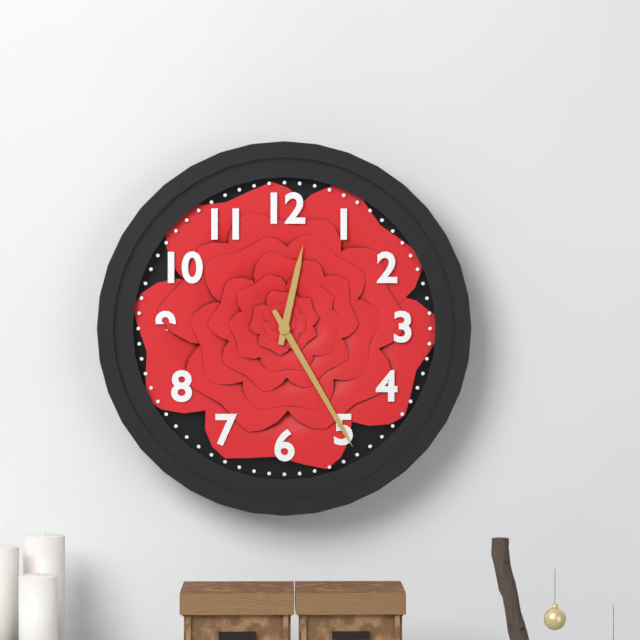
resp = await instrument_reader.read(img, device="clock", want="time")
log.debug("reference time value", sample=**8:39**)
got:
**12:25**
